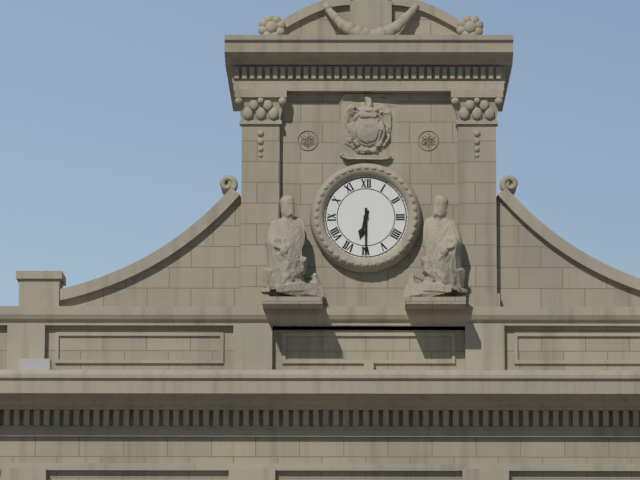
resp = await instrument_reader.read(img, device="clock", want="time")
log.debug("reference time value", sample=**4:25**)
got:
**6:30**
